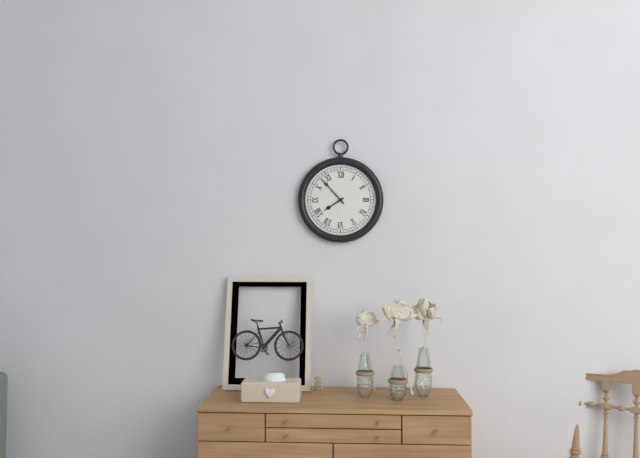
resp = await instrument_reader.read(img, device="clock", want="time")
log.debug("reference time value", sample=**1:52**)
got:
**7:53**
